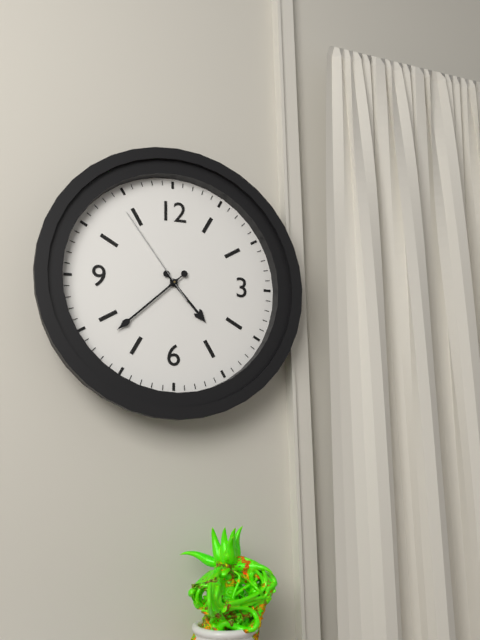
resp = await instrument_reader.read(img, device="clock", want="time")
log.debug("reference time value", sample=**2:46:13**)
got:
**4:38:54**
